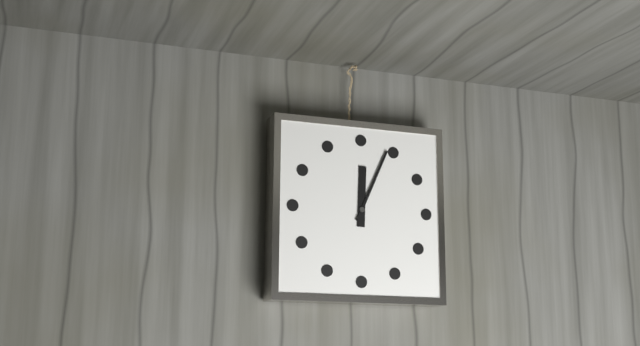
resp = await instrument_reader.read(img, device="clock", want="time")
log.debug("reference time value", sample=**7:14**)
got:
**12:04**
